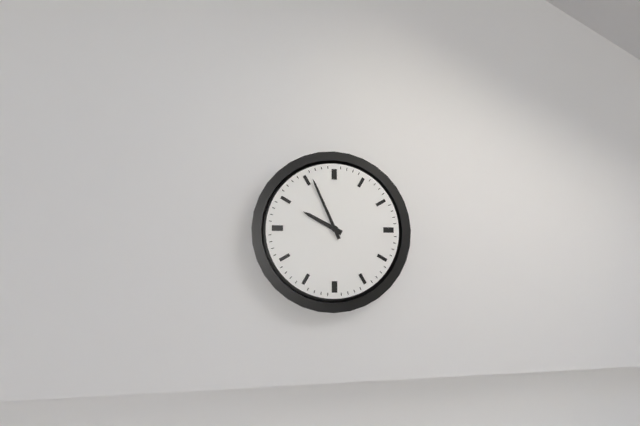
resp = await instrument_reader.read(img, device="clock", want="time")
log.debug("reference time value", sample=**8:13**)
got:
**9:56**
